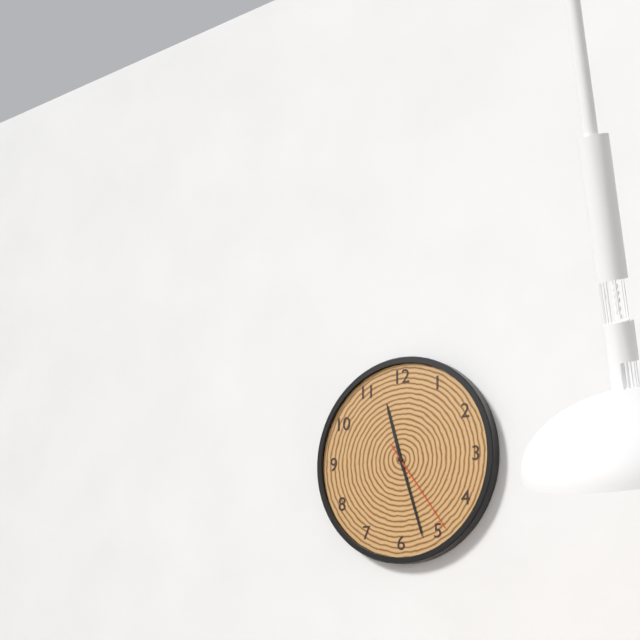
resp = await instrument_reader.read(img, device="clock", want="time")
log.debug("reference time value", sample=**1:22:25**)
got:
**11:27:24**
